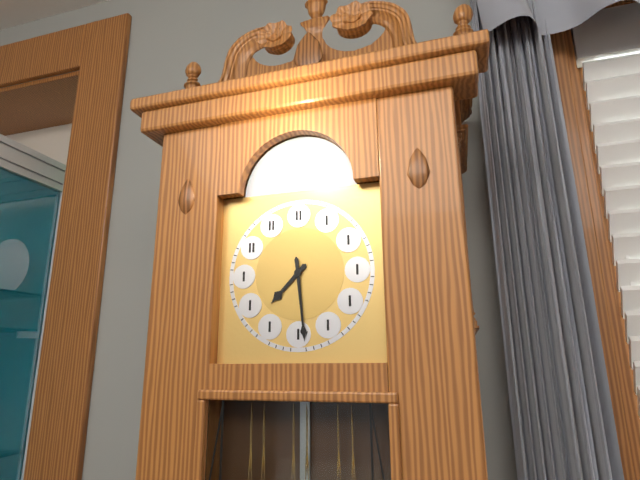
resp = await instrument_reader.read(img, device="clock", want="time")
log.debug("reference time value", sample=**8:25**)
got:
**7:29**
